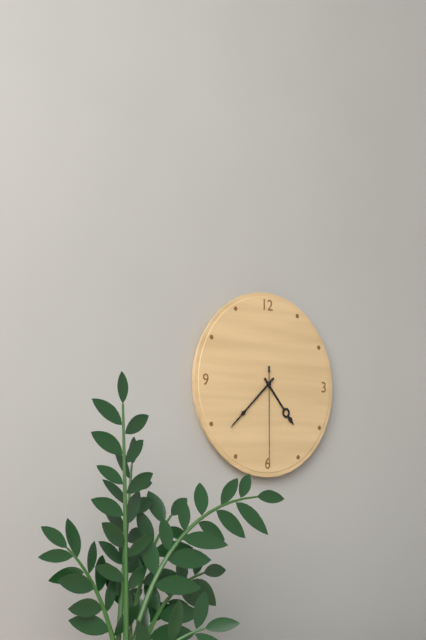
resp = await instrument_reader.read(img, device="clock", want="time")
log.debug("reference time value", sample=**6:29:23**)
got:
**4:38:30**
